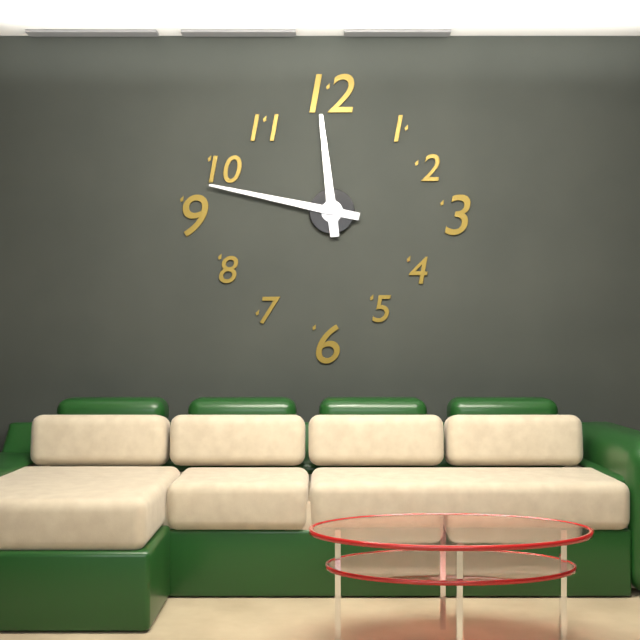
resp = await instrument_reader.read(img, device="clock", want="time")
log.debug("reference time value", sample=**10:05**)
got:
**11:47**
